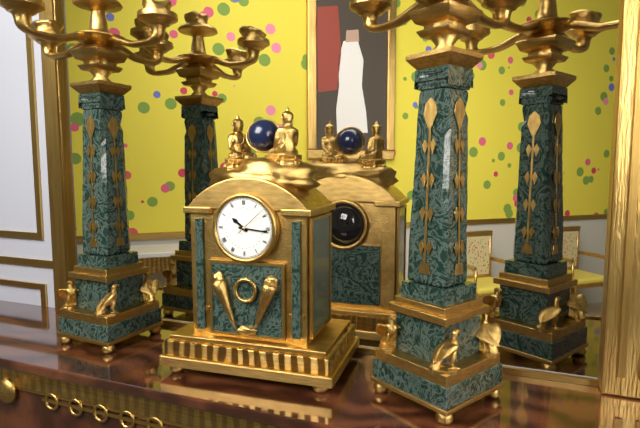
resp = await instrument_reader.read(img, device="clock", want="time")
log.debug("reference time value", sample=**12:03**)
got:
**10:16**
